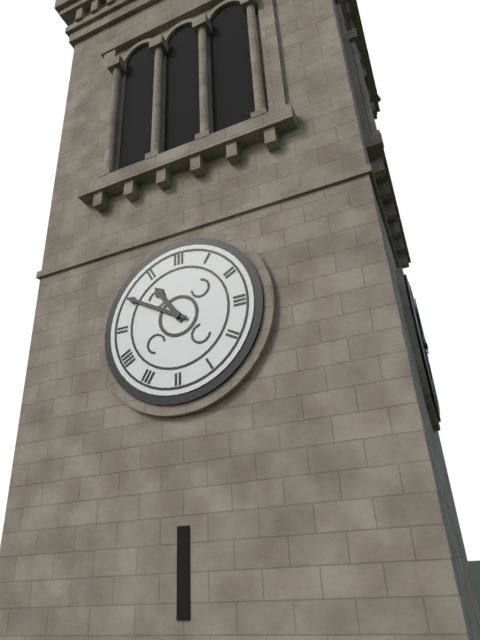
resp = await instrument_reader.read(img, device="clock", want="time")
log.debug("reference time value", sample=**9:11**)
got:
**10:50**
